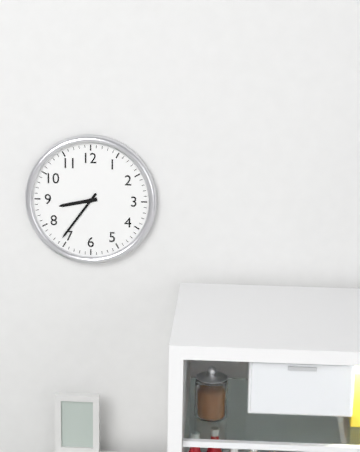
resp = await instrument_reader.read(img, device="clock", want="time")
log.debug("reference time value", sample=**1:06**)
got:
**8:36**
